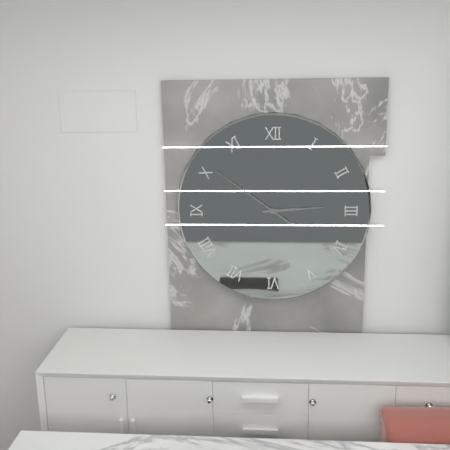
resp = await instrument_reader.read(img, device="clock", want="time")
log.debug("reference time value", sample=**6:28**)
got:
**2:51**
